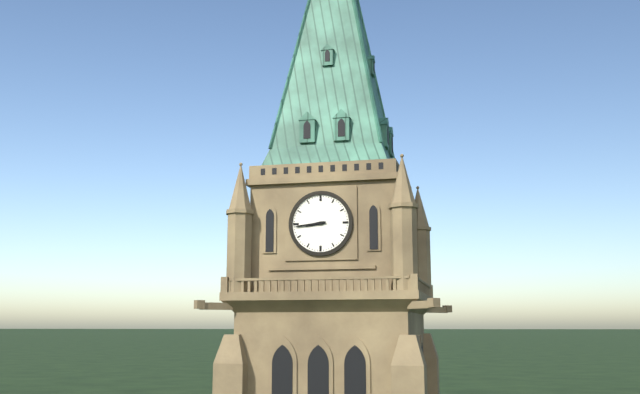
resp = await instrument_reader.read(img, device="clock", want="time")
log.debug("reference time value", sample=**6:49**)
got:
**8:44**
